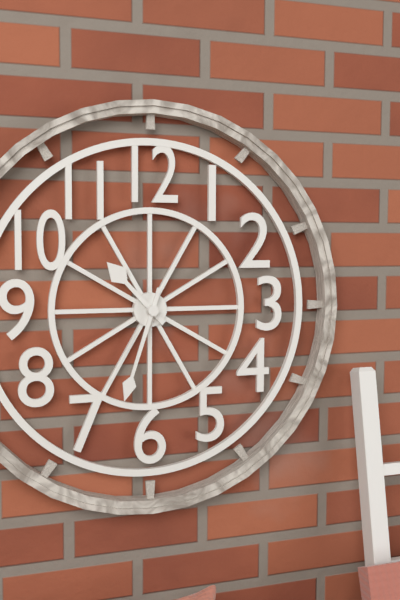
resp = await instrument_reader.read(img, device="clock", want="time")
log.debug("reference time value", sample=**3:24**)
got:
**10:33**
